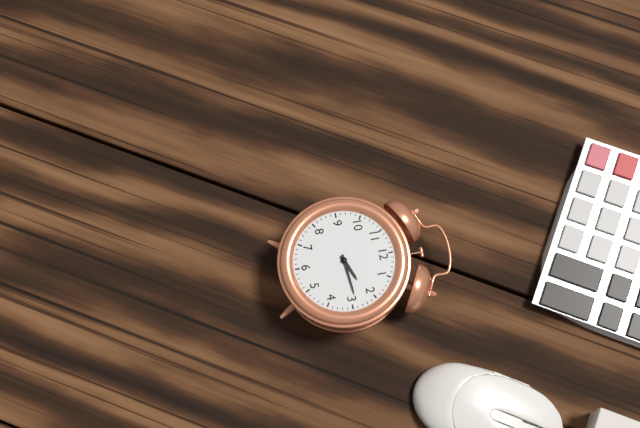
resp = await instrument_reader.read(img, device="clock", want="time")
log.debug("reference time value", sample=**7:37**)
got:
**2:14**
